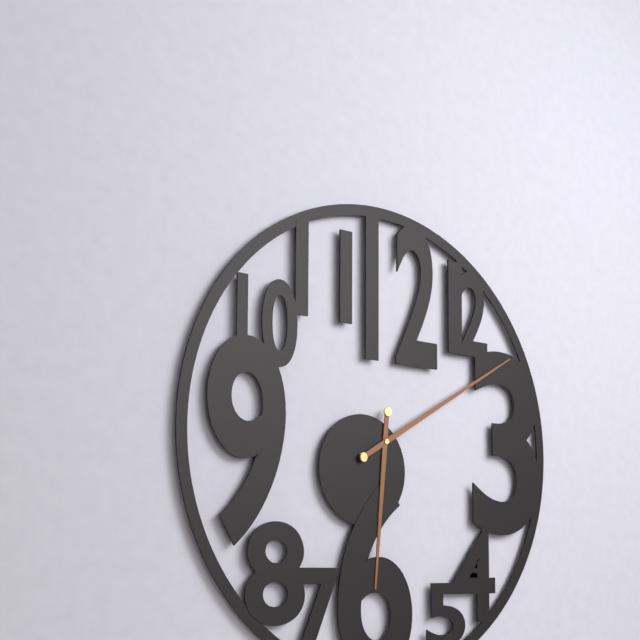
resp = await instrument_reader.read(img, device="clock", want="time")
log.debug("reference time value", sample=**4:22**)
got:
**6:10**
